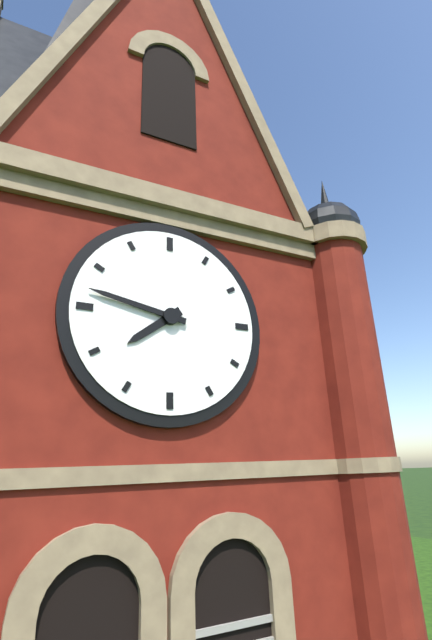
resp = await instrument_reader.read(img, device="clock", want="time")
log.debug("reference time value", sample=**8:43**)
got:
**7:47**
